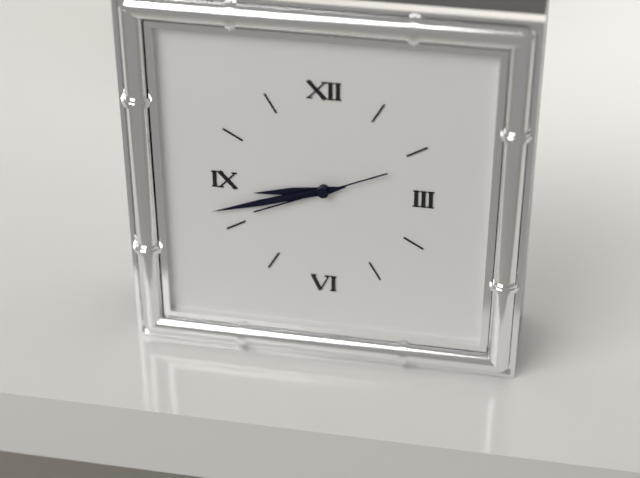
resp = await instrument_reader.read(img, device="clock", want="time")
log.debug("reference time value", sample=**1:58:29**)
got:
**8:42:41**
